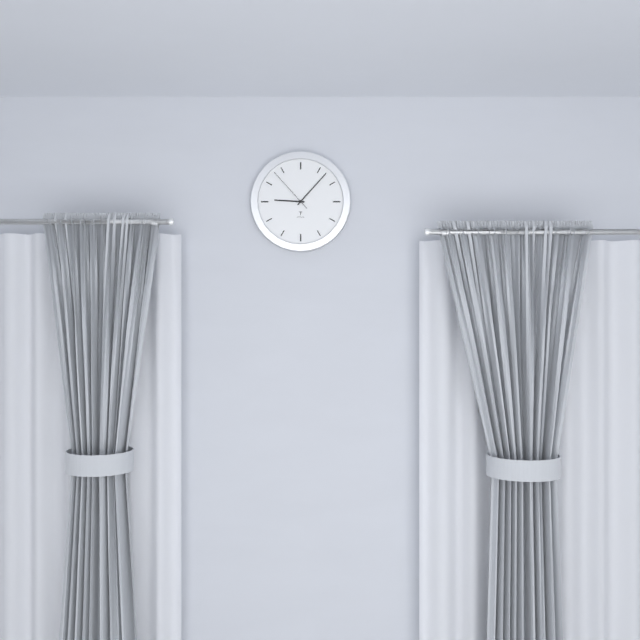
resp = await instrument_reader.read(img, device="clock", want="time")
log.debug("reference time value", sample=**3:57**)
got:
**9:07**
